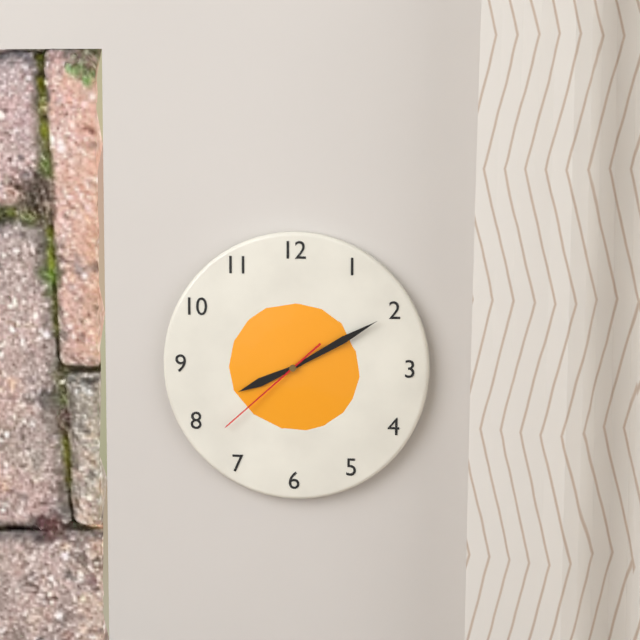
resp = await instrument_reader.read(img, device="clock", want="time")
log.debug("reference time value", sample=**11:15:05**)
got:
**8:10:38**
